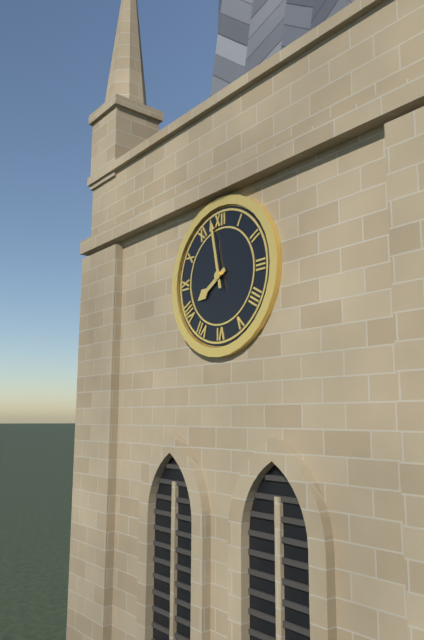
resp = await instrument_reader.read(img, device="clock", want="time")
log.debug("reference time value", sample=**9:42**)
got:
**7:58**
